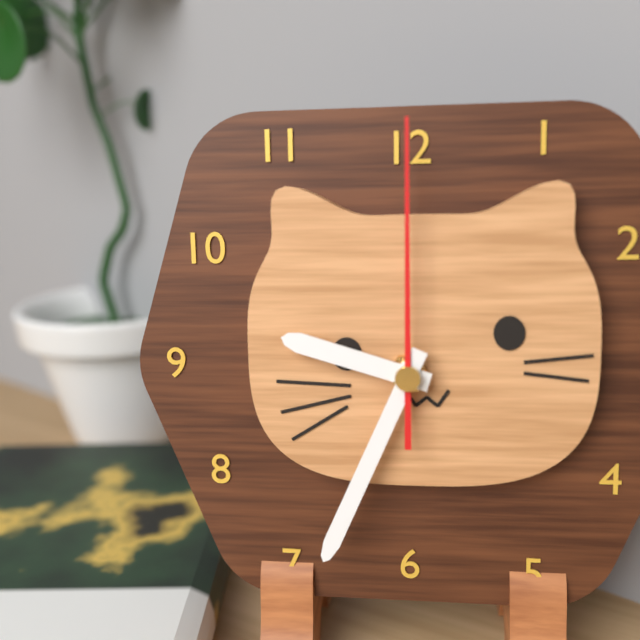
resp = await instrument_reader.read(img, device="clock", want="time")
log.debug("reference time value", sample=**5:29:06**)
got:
**9:34:00**
